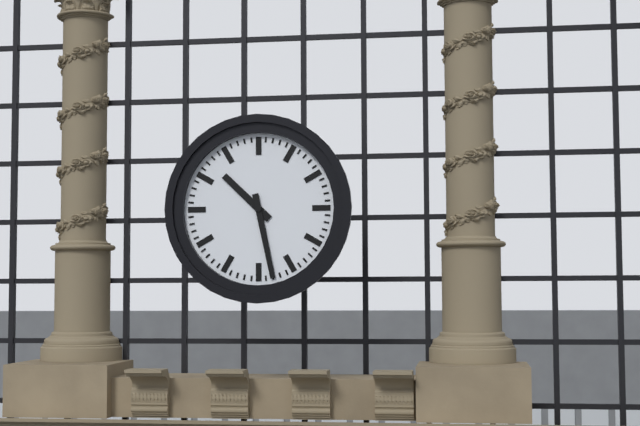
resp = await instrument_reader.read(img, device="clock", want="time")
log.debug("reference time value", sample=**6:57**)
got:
**10:28**
